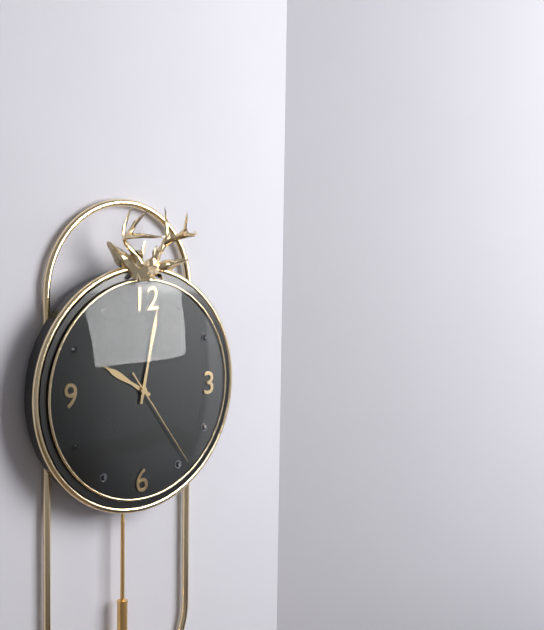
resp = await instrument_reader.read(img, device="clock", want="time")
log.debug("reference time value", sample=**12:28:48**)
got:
**10:02:24**
